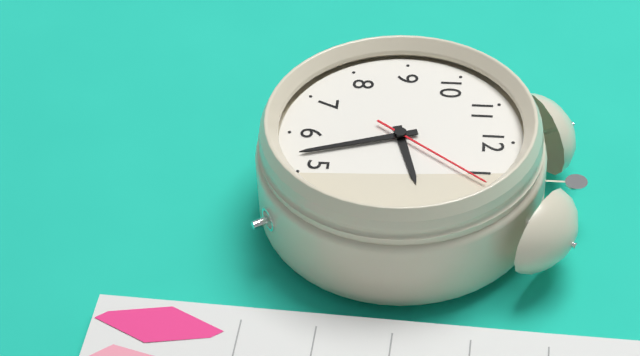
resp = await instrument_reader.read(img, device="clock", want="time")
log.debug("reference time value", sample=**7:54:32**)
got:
**2:27:06**
